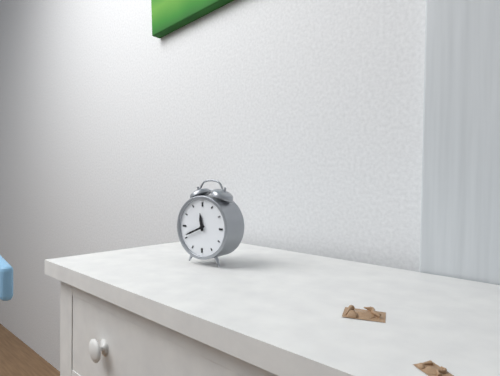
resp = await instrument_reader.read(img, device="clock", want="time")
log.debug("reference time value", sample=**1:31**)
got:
**11:41**
